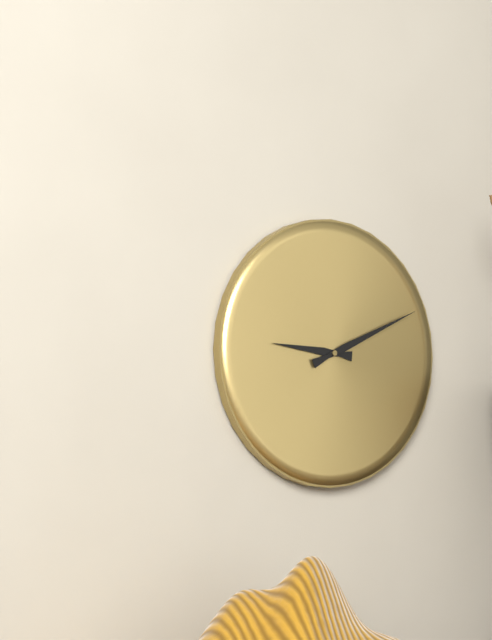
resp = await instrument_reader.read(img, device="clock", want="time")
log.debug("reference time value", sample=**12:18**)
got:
**9:11**
